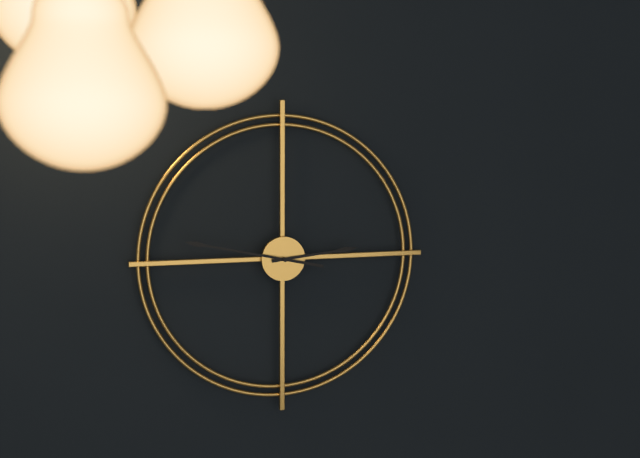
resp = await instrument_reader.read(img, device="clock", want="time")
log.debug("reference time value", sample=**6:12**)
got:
**2:47**
